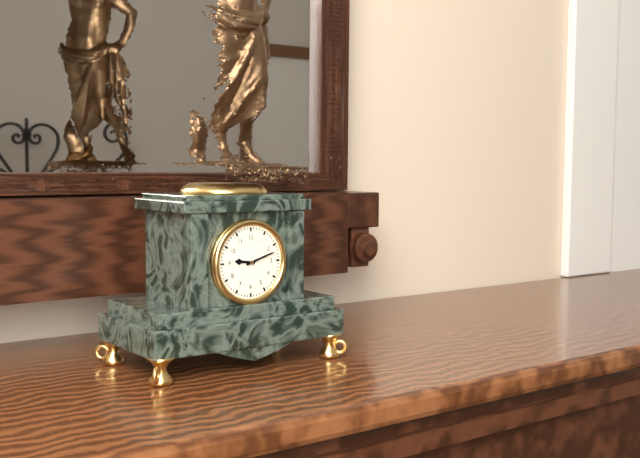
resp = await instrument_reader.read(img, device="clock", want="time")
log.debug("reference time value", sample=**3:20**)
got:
**9:12**
